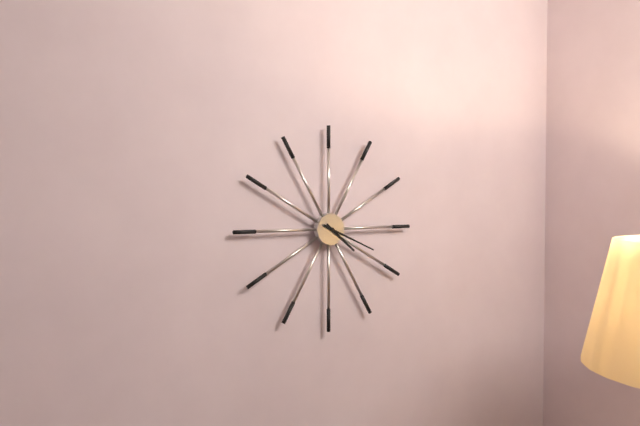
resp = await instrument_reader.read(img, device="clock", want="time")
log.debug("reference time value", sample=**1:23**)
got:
**4:19**
